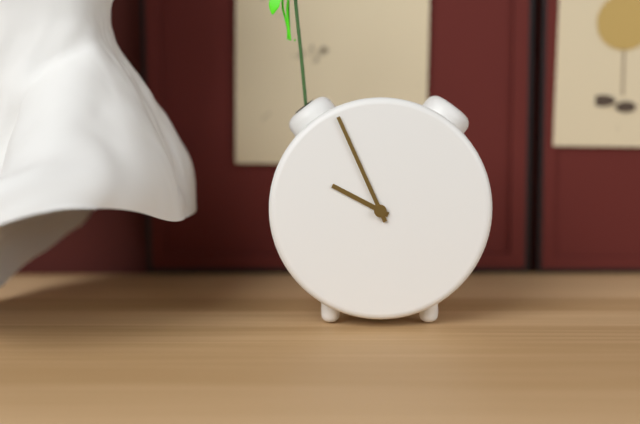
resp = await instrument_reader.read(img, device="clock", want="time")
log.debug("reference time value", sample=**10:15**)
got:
**9:56**
